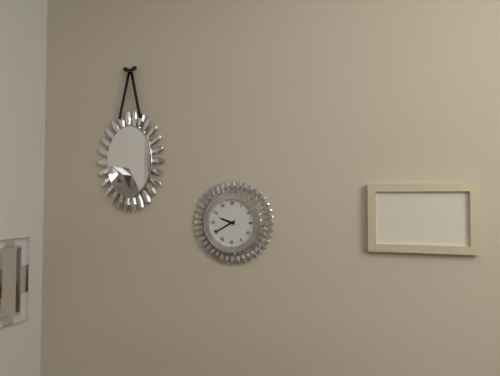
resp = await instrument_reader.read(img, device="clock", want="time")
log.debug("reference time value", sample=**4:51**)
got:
**9:40**
